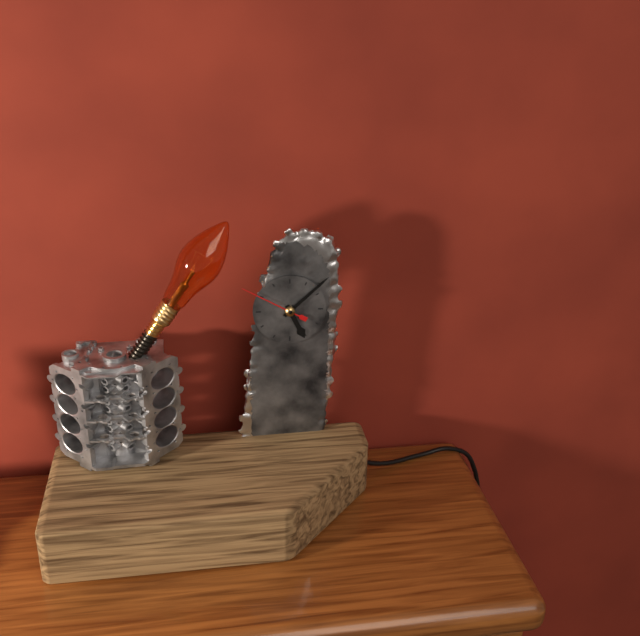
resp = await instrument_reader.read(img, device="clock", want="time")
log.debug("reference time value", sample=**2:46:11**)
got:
**5:08:50**
